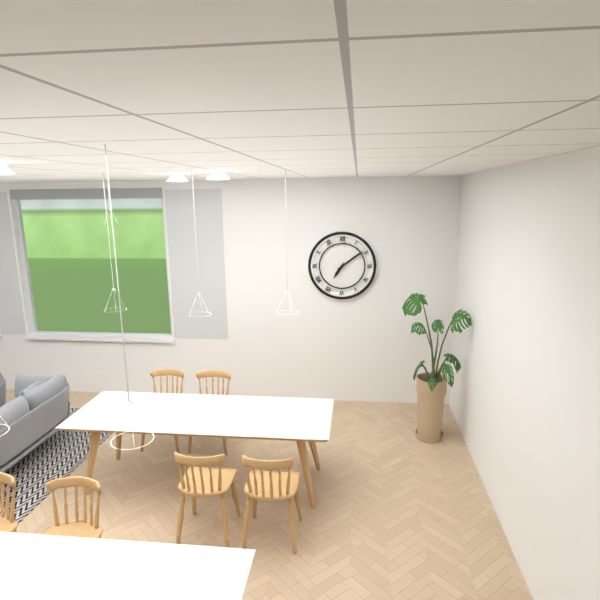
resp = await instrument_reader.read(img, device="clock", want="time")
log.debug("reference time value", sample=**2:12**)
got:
**7:09**
